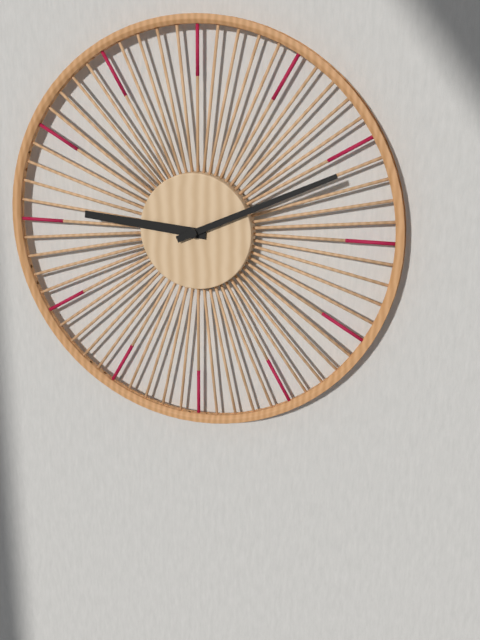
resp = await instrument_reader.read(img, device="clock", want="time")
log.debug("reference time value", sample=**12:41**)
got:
**9:11**
